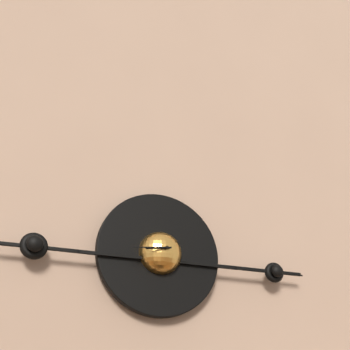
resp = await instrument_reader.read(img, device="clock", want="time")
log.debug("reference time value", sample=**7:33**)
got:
**8:44**
